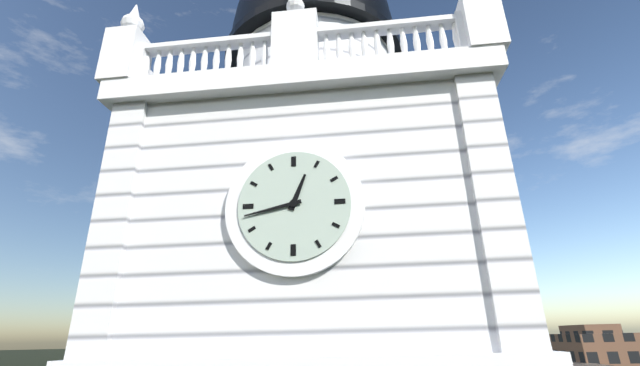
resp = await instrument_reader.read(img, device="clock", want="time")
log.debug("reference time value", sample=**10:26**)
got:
**12:43**
